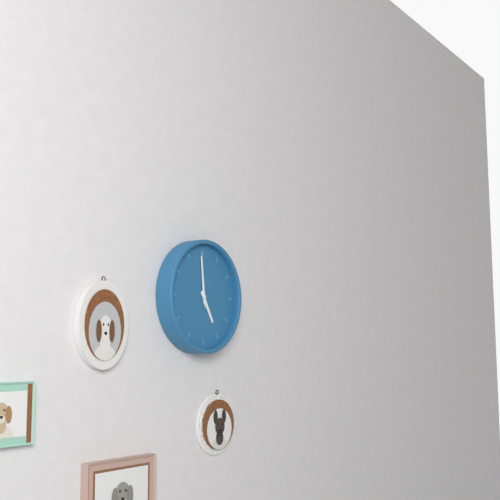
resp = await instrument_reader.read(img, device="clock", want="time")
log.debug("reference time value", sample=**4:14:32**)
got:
**4:59:59**
